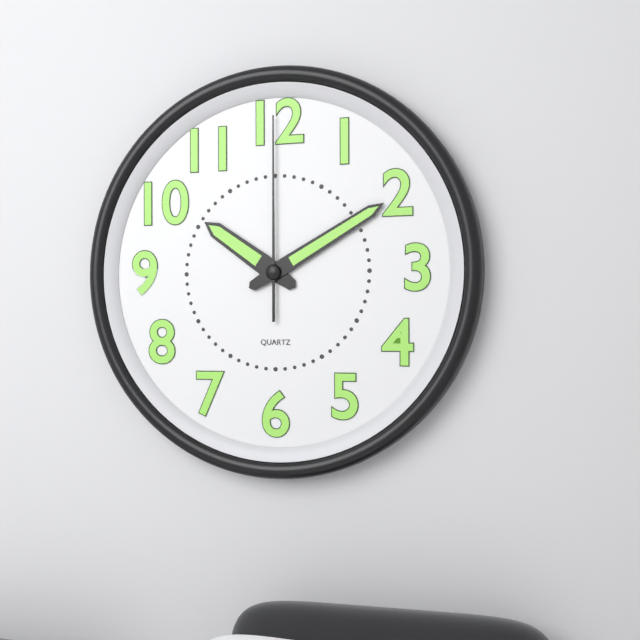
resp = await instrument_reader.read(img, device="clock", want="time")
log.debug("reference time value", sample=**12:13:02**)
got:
**10:10:00**
